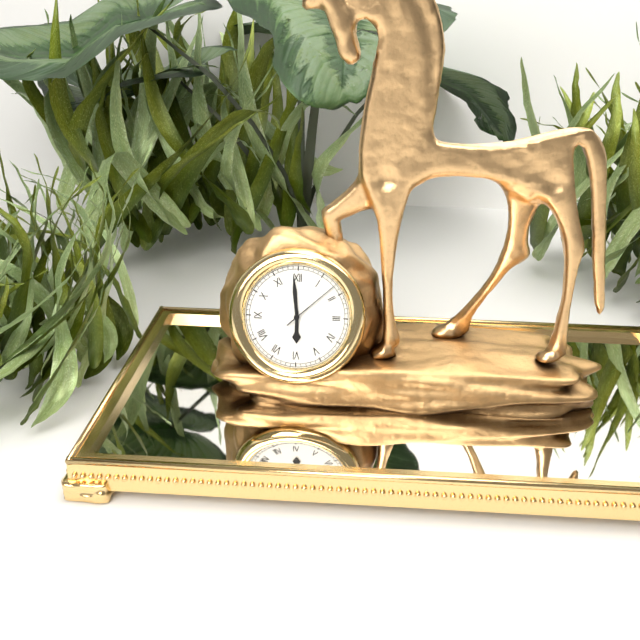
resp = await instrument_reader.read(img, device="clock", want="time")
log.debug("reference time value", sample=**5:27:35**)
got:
**5:59:08**
